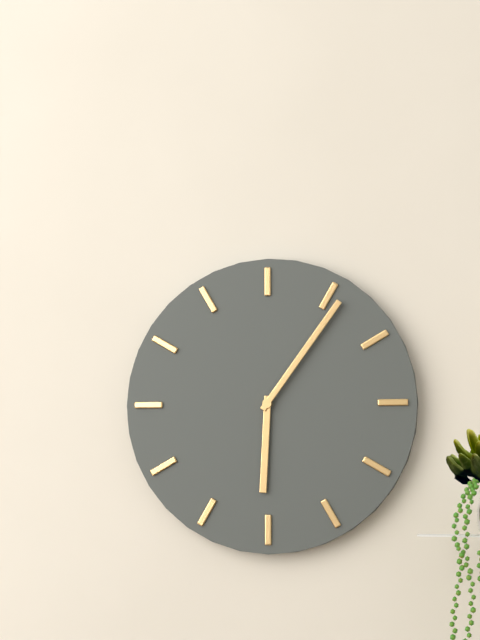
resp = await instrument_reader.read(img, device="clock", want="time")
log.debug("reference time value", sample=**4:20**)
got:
**6:06**
